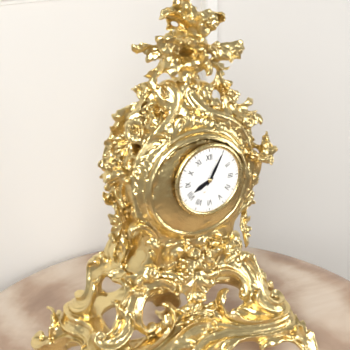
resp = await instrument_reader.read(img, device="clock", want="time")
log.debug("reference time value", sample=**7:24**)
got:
**8:05**
